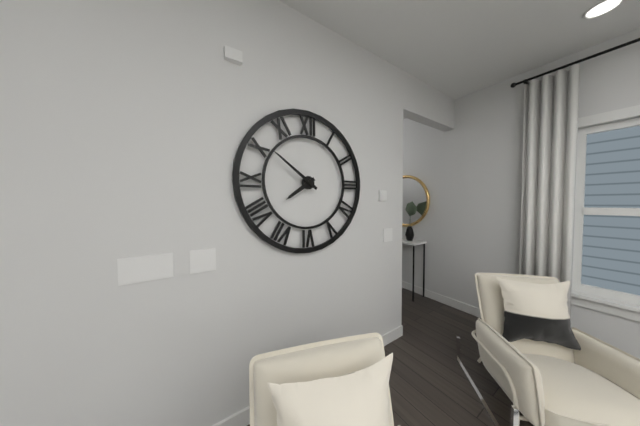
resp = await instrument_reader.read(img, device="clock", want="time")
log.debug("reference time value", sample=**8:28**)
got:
**7:51**
